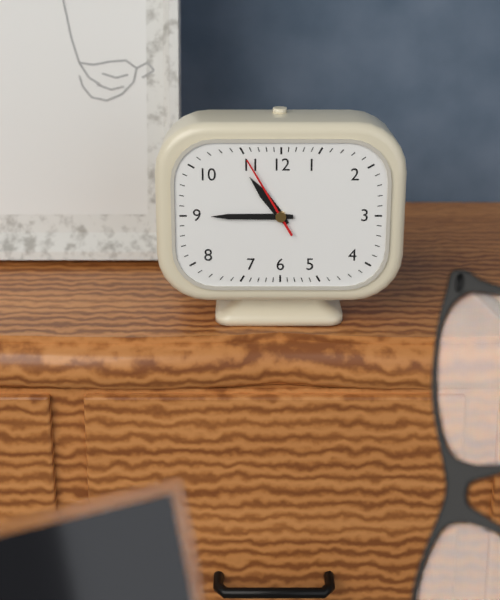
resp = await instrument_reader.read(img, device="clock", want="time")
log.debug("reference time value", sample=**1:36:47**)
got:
**10:45:55**
